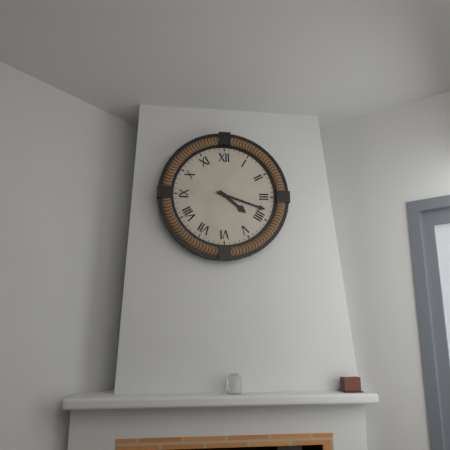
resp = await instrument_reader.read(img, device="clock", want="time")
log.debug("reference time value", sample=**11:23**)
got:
**4:18**
